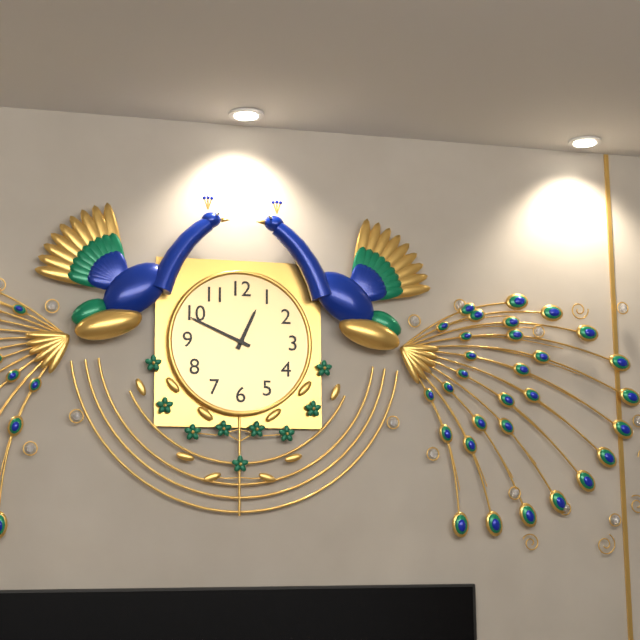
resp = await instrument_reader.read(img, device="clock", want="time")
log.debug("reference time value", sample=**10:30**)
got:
**12:49**
